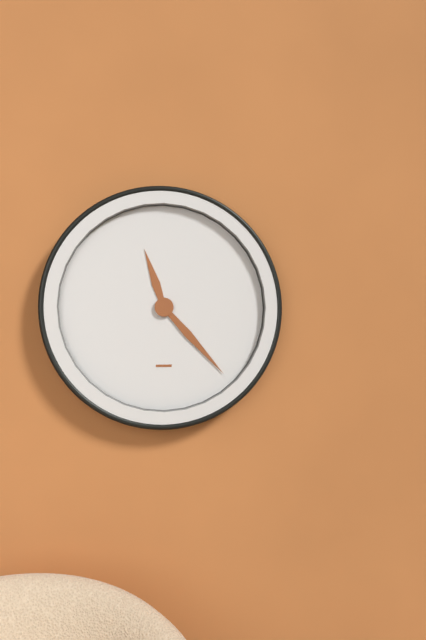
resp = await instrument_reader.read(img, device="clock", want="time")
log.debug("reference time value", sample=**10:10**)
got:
**11:23**
